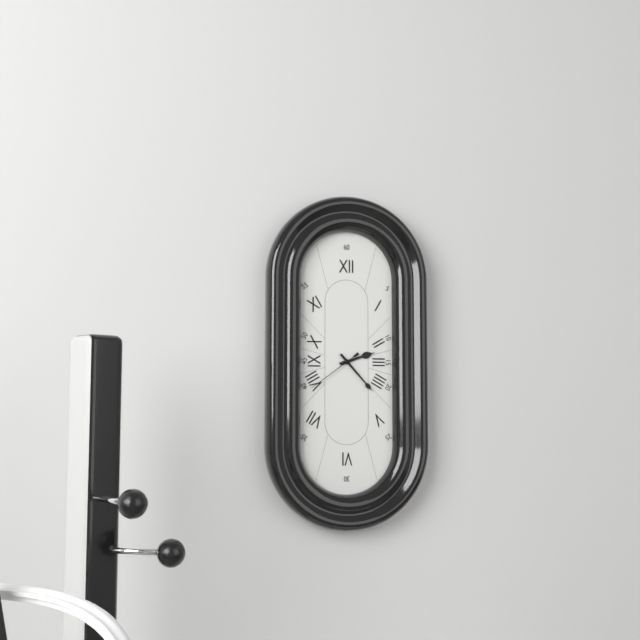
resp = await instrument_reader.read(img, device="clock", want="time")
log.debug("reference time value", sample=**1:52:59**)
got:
**2:23:39**
